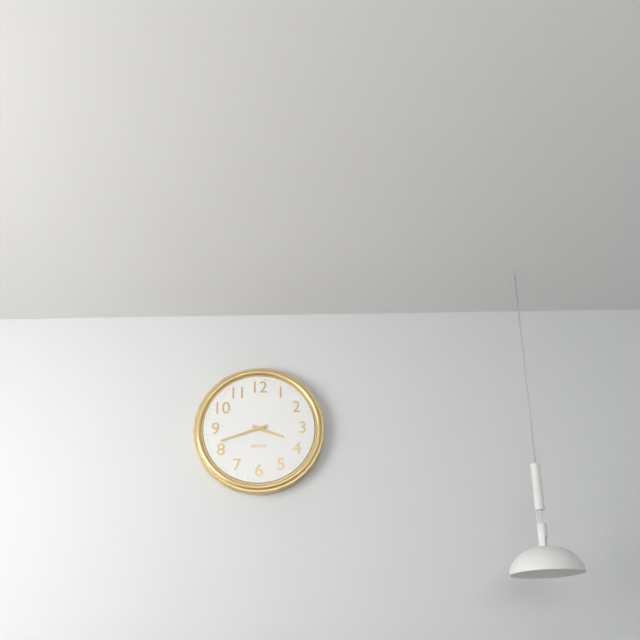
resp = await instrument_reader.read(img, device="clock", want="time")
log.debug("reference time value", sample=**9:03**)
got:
**3:42**
